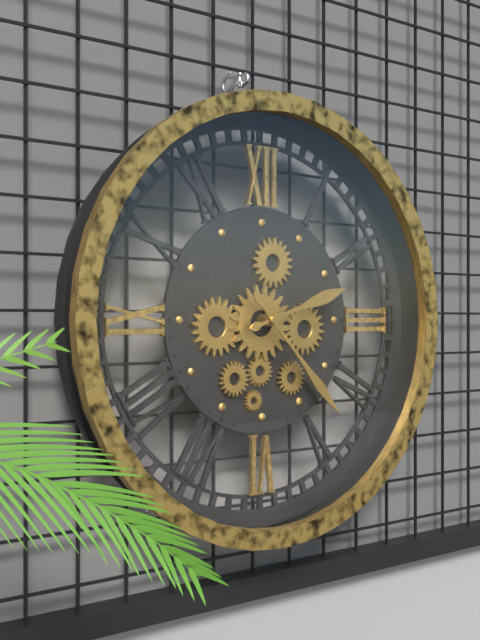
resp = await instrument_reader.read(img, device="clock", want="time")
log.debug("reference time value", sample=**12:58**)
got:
**2:23**
